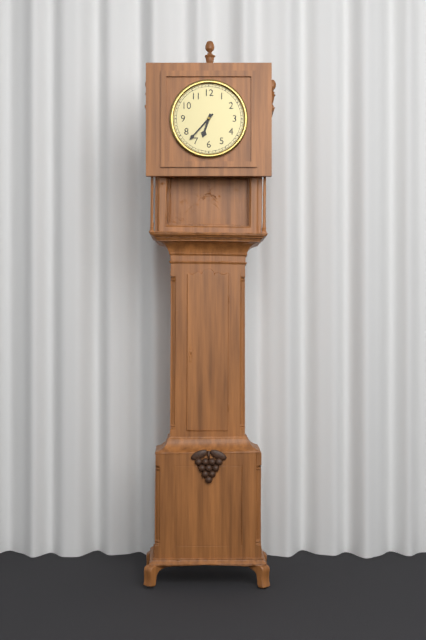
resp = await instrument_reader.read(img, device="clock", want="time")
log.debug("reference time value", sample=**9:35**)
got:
**6:37**
